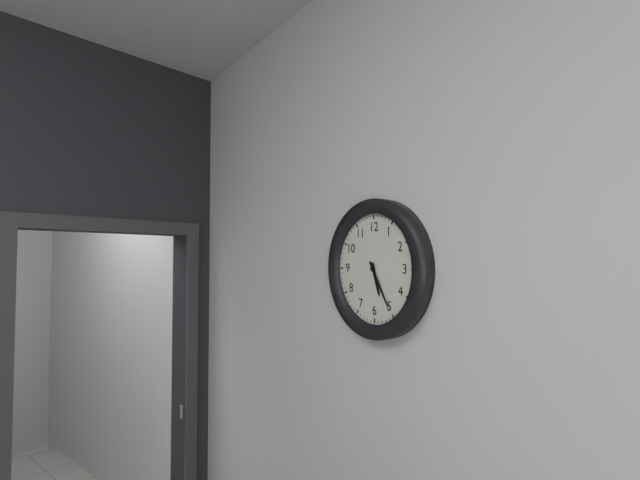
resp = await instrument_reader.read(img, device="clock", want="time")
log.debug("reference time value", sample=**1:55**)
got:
**5:25**
